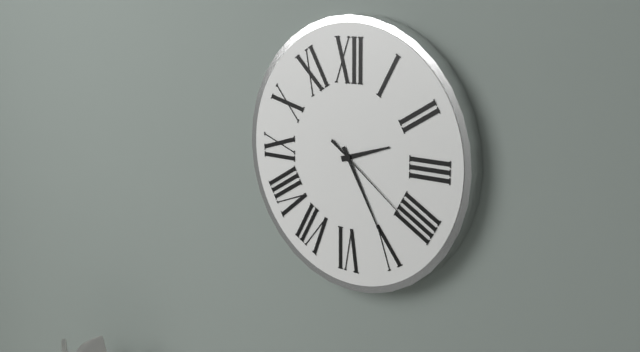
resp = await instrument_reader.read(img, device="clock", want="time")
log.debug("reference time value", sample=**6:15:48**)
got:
**2:25:21**
